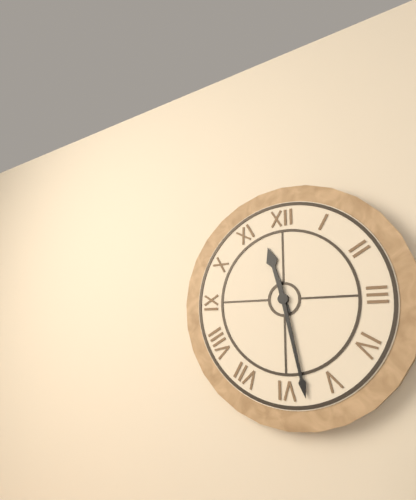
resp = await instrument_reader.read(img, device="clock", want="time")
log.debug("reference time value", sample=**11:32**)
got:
**11:28**
